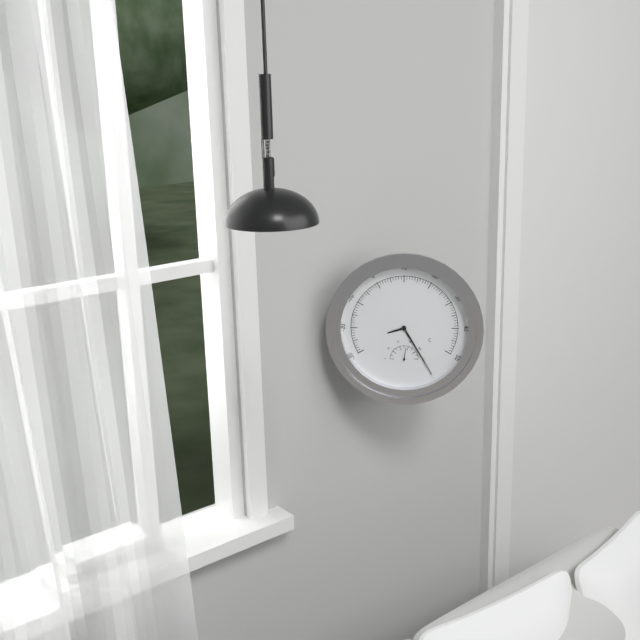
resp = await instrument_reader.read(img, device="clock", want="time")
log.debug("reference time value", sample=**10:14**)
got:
**8:25**
